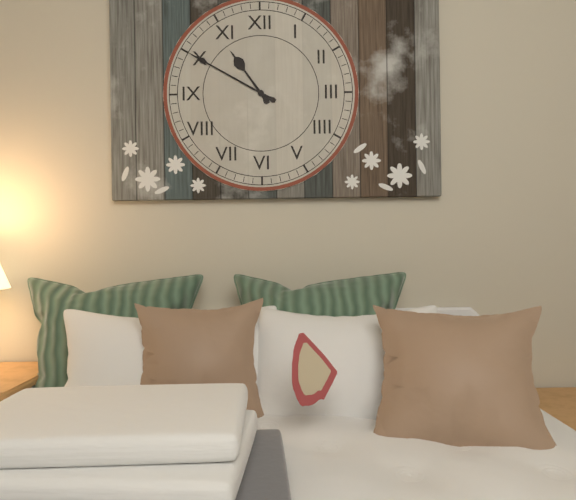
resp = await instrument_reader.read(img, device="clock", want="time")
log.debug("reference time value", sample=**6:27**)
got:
**10:50**
